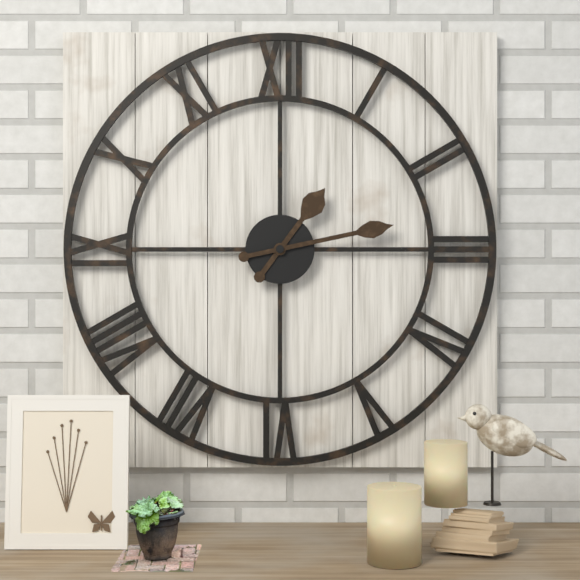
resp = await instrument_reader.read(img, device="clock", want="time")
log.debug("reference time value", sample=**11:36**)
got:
**1:13**
